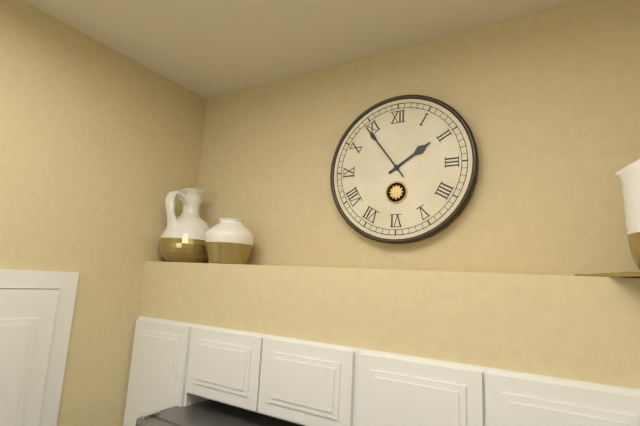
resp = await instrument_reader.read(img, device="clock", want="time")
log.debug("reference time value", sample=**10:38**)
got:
**1:54**
